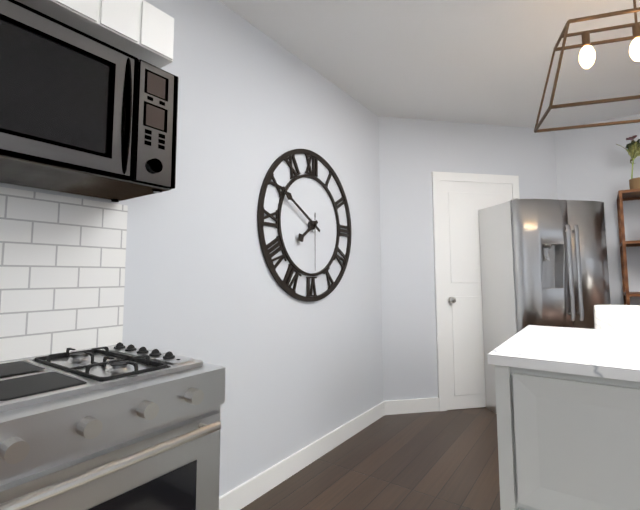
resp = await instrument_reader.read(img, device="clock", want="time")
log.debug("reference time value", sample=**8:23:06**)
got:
**7:50:30**
